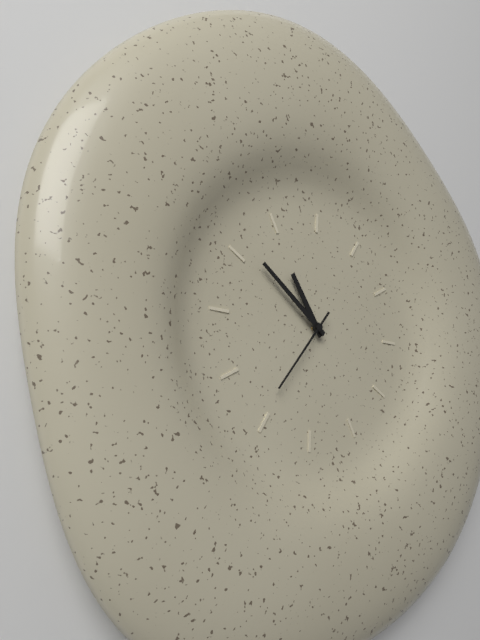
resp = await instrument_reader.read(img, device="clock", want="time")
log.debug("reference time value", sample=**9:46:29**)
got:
**10:51:36**
